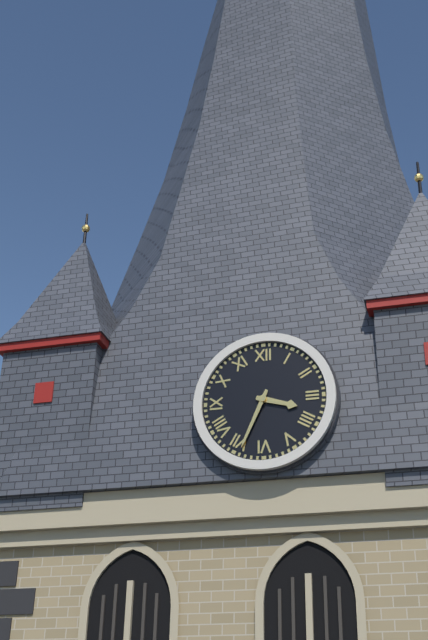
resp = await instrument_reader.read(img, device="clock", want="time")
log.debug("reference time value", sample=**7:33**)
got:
**3:34**
